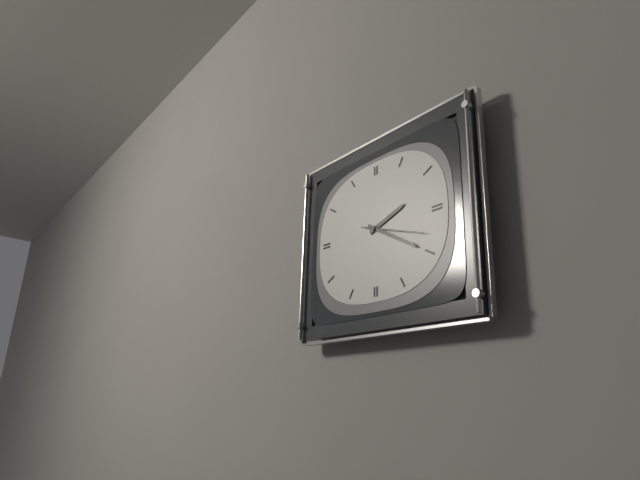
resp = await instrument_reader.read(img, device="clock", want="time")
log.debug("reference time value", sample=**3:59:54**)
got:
**2:20:18**
